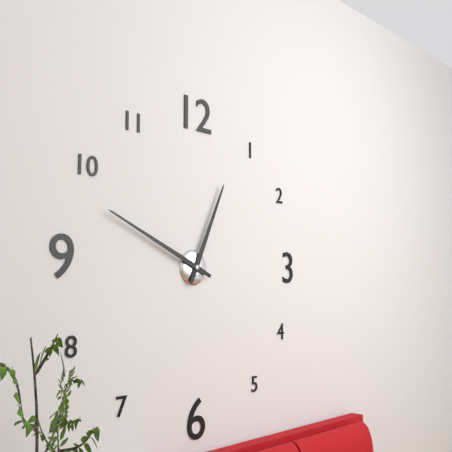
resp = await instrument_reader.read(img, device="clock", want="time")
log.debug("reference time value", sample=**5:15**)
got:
**12:49**
